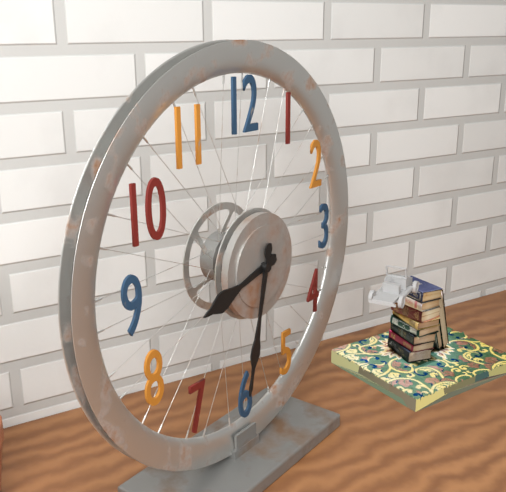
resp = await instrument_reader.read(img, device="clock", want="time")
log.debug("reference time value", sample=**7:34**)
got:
**8:32**
